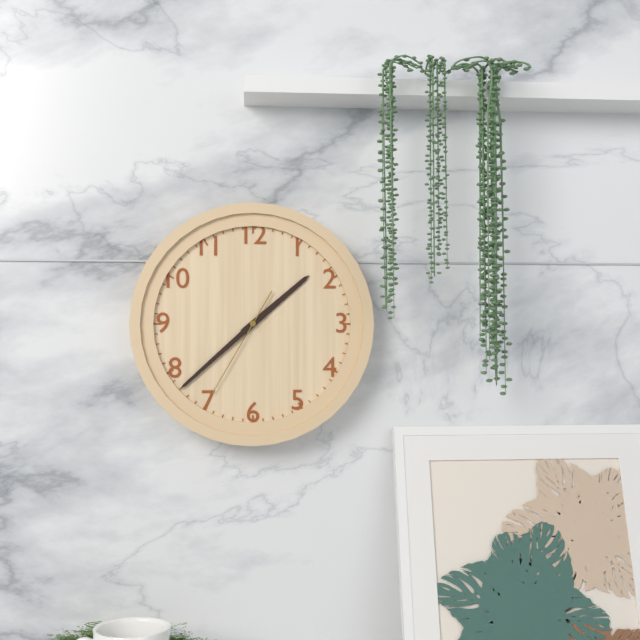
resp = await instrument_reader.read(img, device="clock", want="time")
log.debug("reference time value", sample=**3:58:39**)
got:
**1:38:35**
